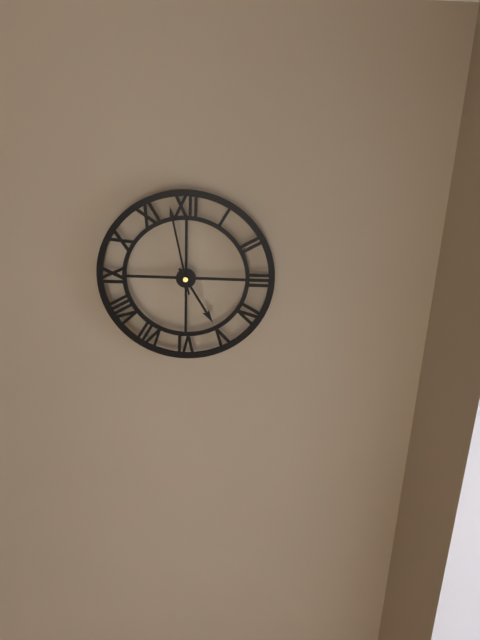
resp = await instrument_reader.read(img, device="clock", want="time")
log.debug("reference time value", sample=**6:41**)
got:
**4:58**
